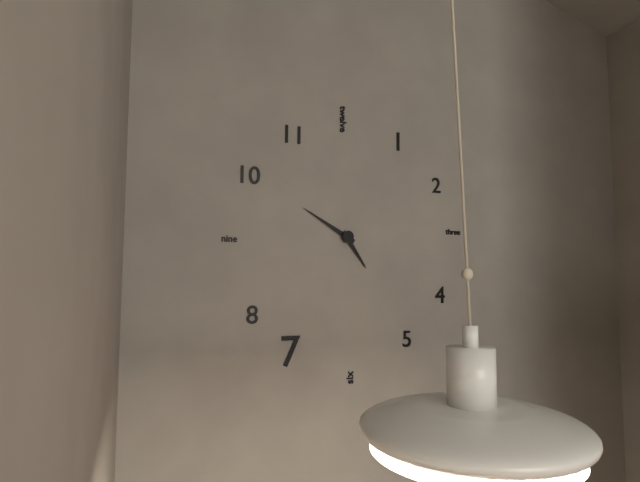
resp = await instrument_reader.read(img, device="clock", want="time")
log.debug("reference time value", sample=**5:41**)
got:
**4:50**
